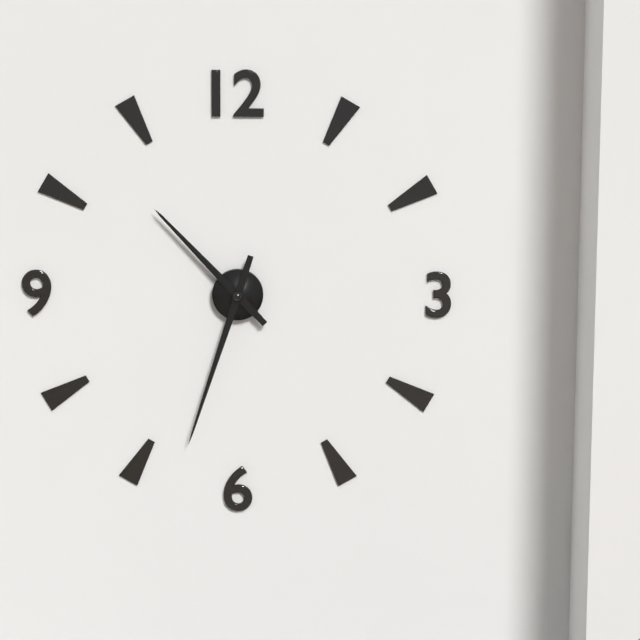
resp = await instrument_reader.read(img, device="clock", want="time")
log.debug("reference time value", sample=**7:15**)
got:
**10:33**
